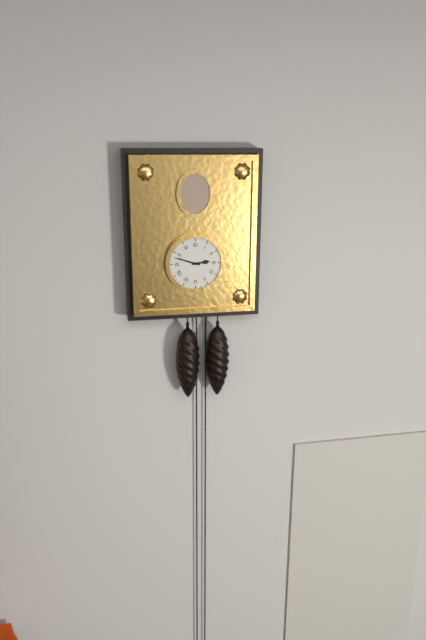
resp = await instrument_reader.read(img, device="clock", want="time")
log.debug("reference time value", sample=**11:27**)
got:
**2:48**
